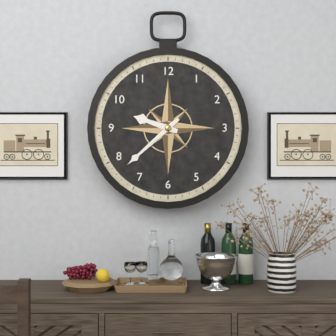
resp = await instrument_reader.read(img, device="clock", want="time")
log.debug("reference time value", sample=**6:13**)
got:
**9:38**
